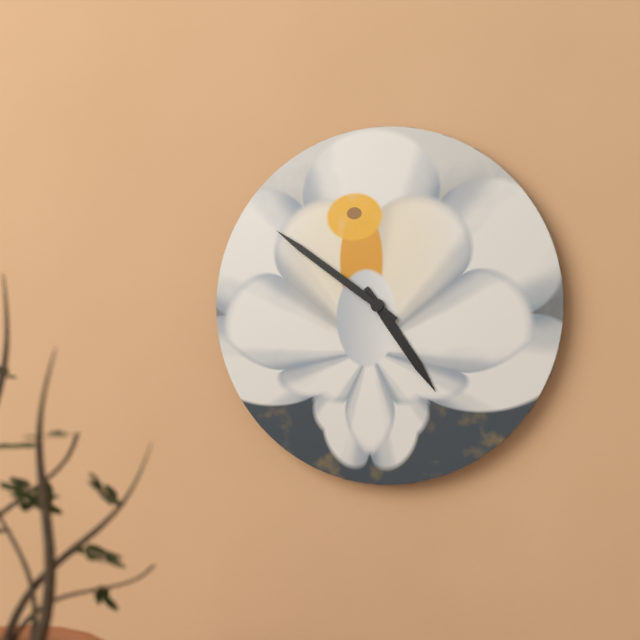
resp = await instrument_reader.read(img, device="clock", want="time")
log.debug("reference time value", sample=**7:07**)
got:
**4:51**
